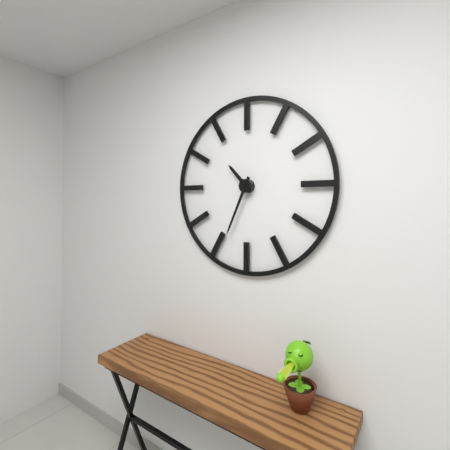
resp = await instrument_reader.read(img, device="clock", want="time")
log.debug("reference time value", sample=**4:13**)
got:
**10:34**
